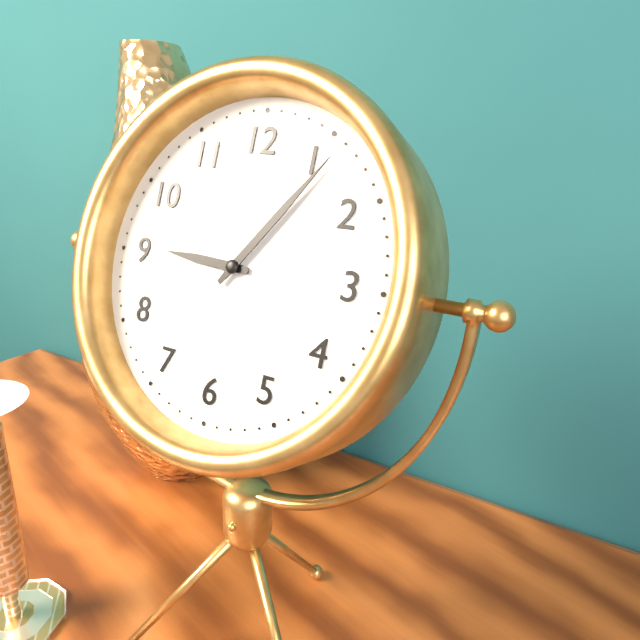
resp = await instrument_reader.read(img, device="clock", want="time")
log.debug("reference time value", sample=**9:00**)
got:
**9:06**
